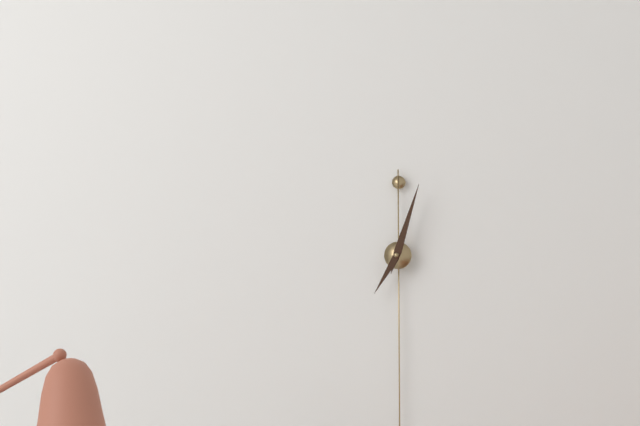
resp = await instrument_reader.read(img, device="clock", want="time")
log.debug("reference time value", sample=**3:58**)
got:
**7:03**
